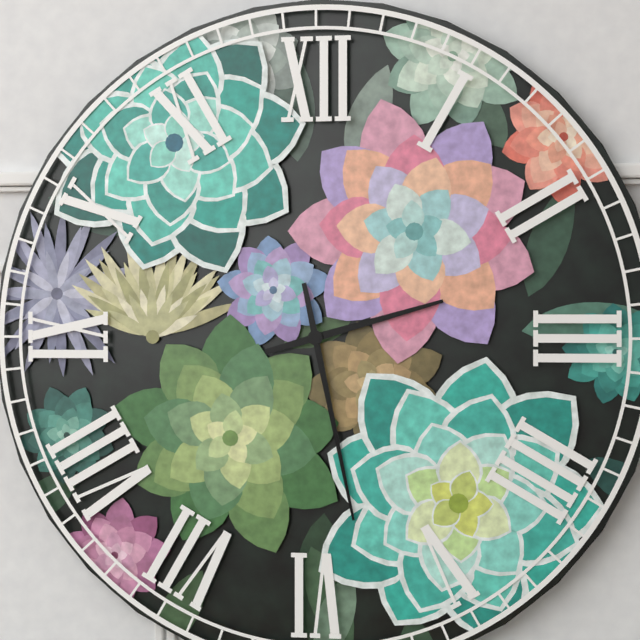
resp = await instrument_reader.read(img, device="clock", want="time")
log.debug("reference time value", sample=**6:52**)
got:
**2:28**
